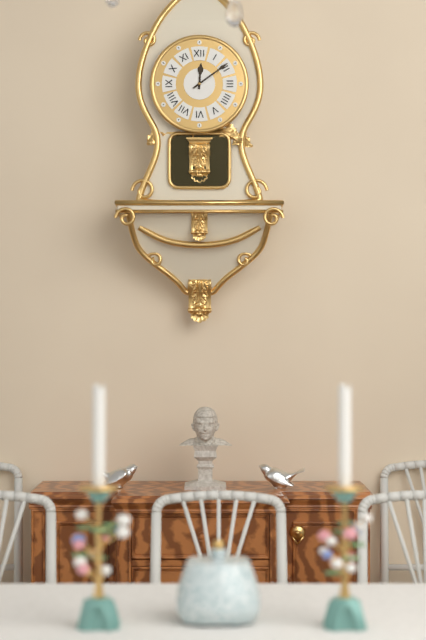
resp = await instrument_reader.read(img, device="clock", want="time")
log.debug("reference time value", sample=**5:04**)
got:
**12:09**
